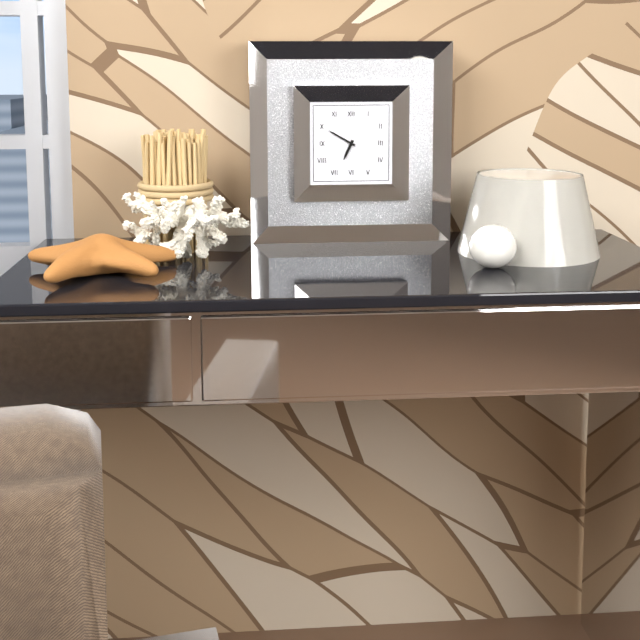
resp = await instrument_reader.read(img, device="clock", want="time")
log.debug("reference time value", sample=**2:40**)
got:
**6:50**
